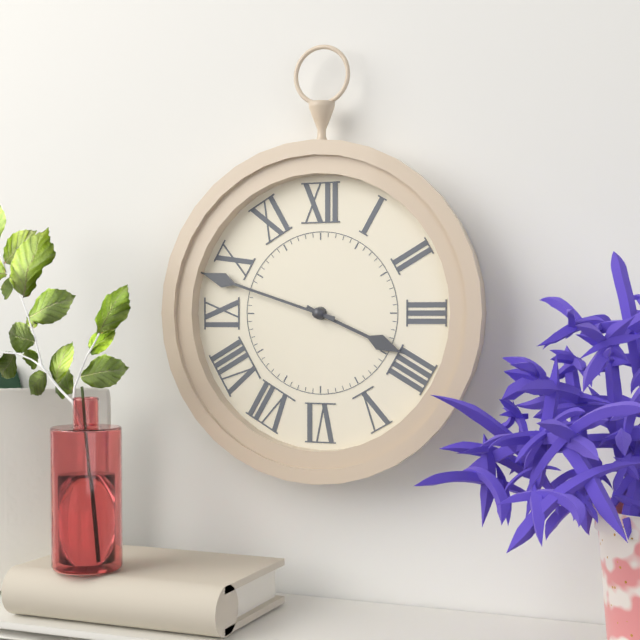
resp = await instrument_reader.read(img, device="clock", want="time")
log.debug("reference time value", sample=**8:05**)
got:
**3:48**
